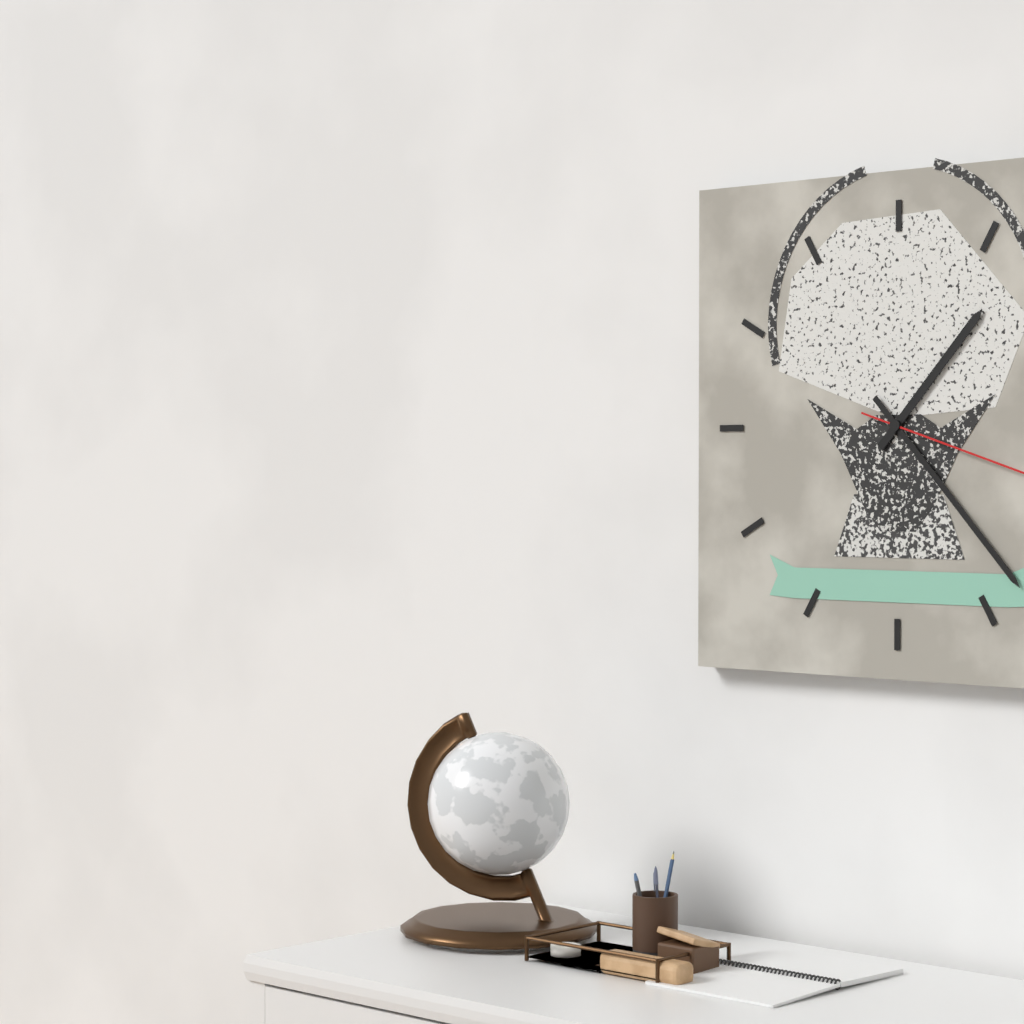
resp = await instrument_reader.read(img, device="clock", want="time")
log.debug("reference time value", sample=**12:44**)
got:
**1:23**
